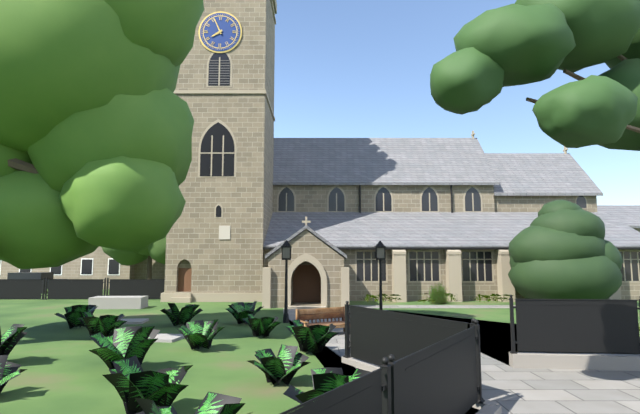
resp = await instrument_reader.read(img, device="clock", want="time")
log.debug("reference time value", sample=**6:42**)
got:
**7:56**
